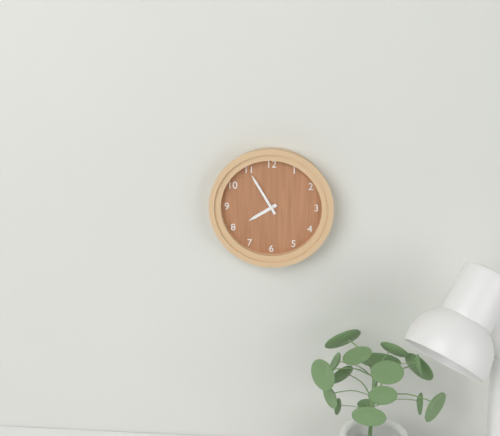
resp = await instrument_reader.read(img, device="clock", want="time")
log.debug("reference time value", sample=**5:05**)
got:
**7:55**
